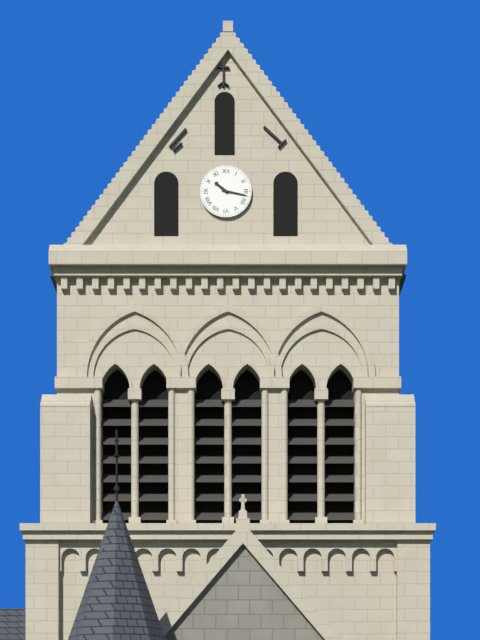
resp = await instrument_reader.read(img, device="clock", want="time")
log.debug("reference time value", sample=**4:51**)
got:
**10:17**
